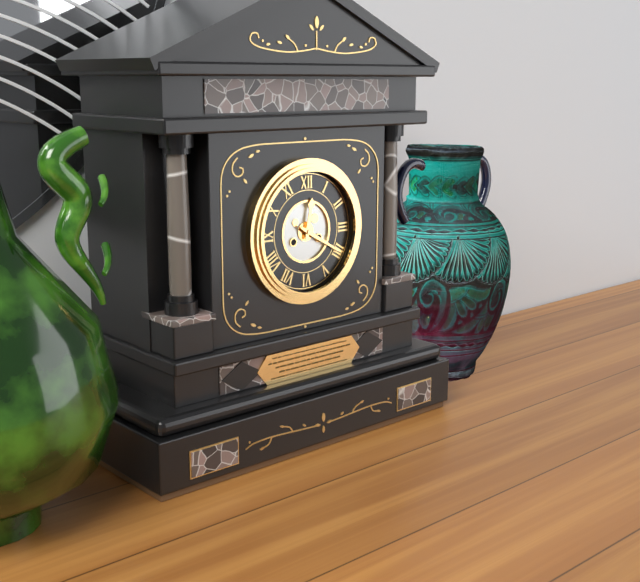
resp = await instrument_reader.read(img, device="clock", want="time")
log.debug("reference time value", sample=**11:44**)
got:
**12:20**
